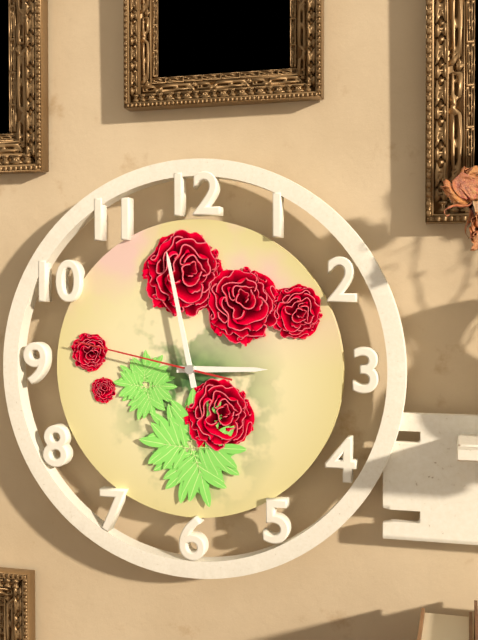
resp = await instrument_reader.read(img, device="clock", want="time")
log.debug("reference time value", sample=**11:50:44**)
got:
**2:58:47**
